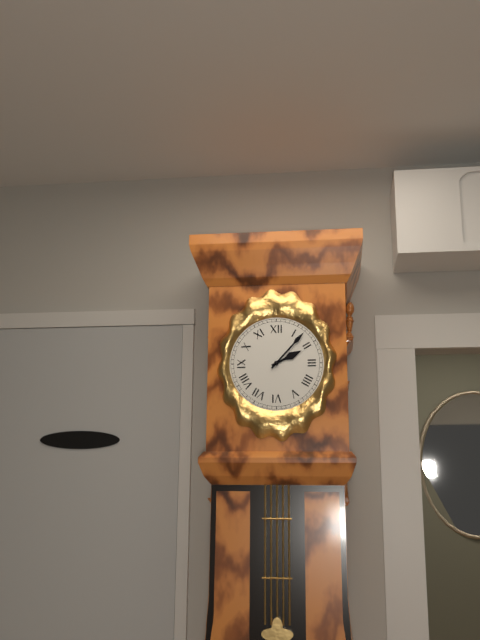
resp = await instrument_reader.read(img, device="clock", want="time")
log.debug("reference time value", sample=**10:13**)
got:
**2:07**
